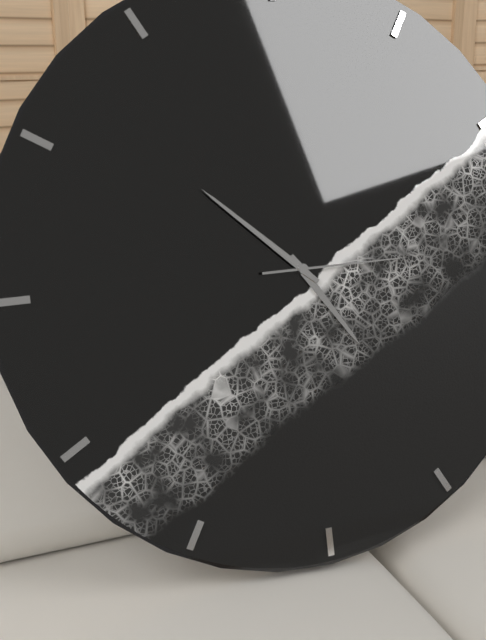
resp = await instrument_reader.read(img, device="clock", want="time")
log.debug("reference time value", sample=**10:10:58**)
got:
**4:52:15**
